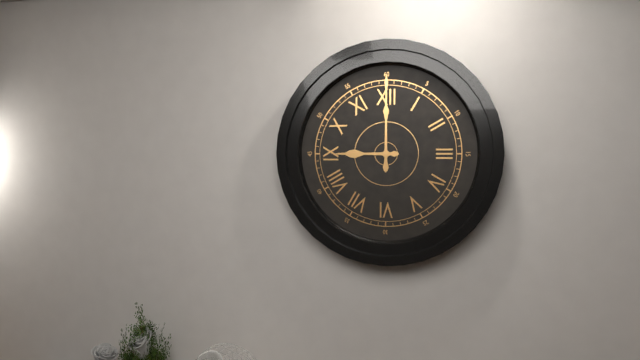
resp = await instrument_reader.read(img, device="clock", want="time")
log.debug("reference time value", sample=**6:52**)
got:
**9:00**
